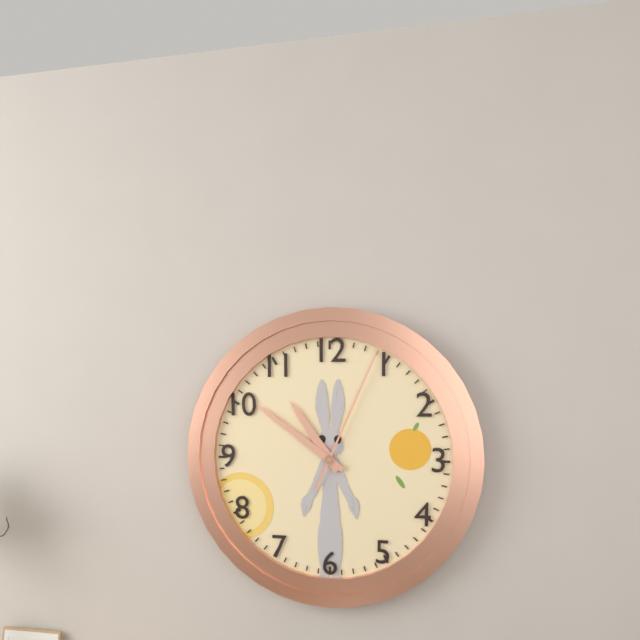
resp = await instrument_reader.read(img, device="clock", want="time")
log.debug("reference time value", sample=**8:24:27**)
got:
**10:51:04**
